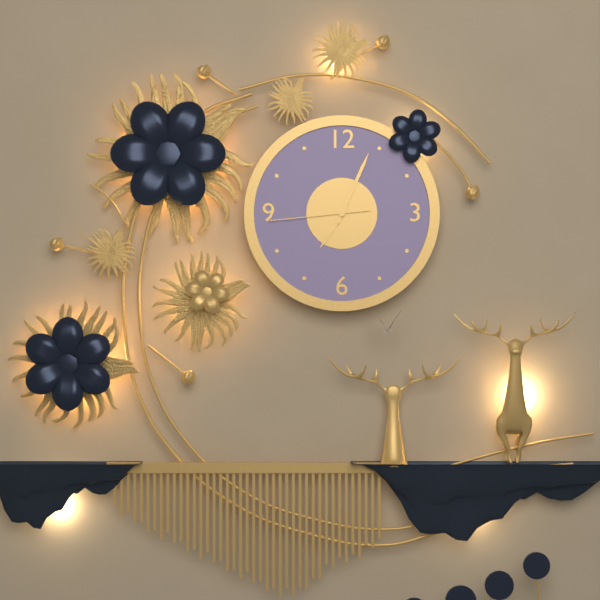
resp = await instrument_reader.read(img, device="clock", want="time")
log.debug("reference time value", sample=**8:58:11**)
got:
**7:04:44**
